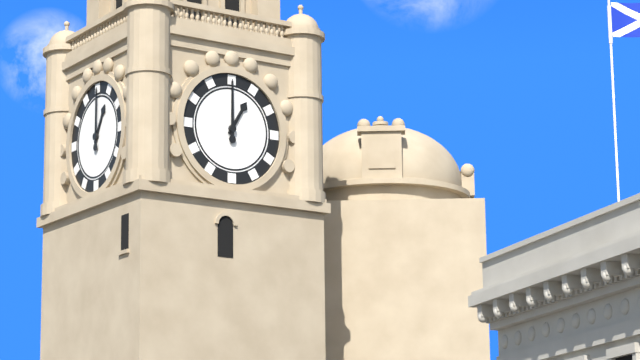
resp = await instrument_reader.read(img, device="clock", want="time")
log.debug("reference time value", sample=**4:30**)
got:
**1:00**
